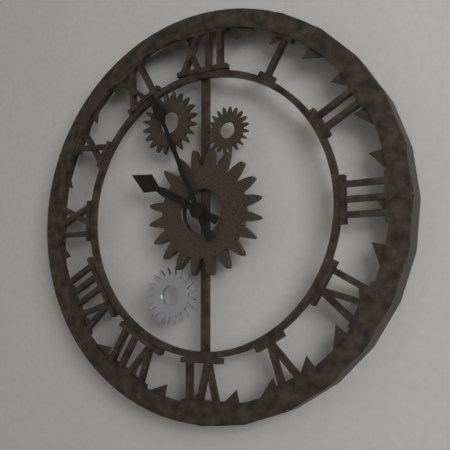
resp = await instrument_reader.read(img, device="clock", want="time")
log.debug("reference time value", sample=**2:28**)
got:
**9:56**
